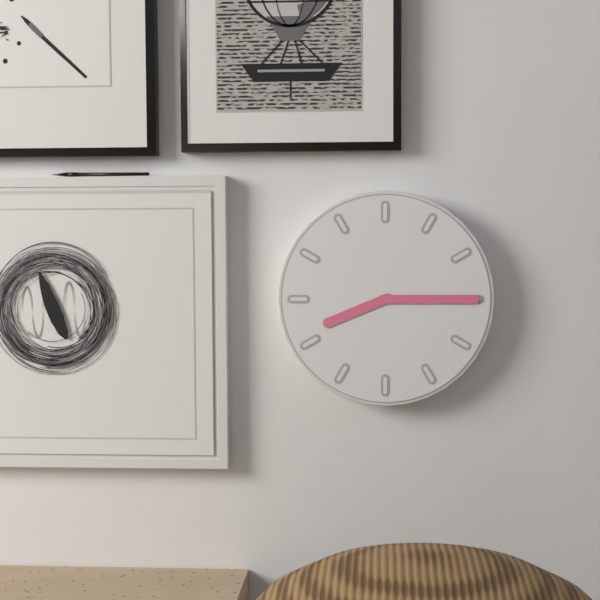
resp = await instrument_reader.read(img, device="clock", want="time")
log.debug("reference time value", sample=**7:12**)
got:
**8:15**
